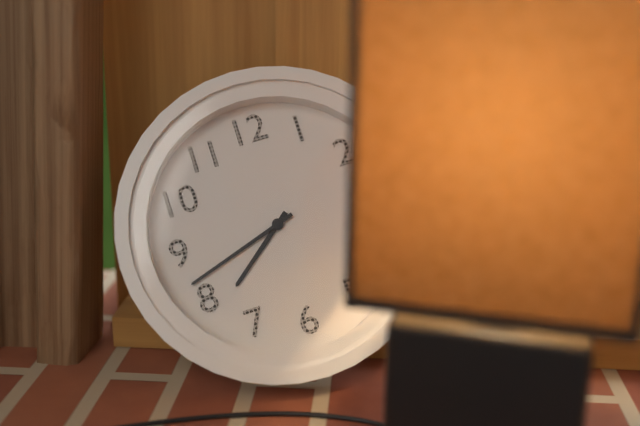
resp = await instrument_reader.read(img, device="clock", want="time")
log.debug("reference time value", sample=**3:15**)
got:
**7:42**
